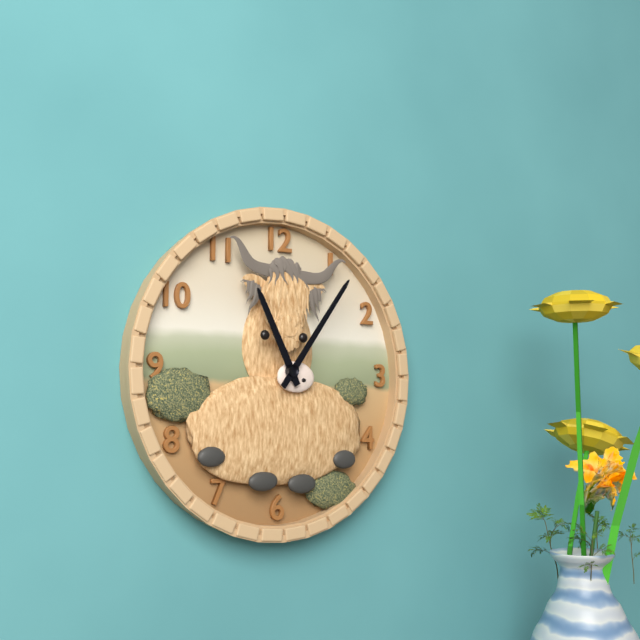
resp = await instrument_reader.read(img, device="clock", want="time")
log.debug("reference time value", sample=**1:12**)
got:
**11:06**
